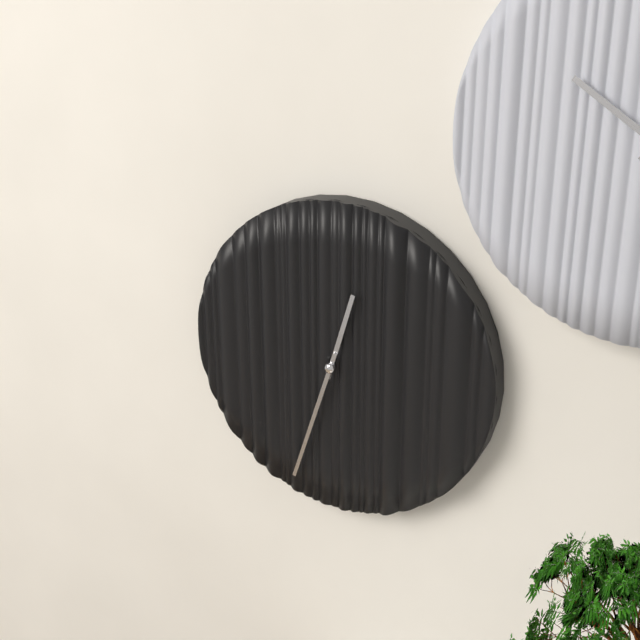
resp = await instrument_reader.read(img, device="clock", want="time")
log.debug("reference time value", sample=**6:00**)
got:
**12:33**
